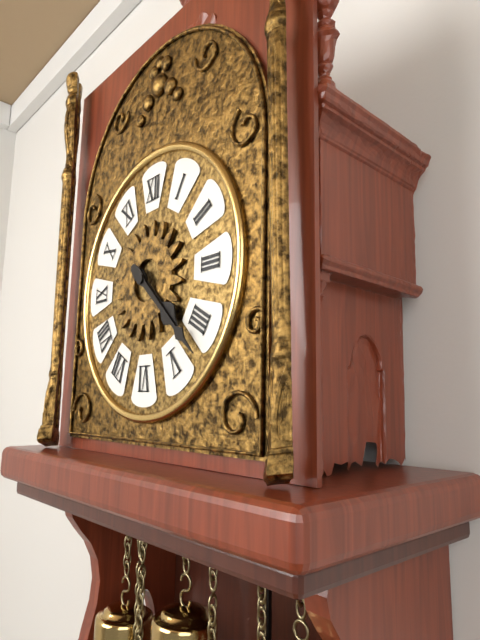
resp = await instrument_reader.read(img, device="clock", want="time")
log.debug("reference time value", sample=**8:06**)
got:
**4:22**
